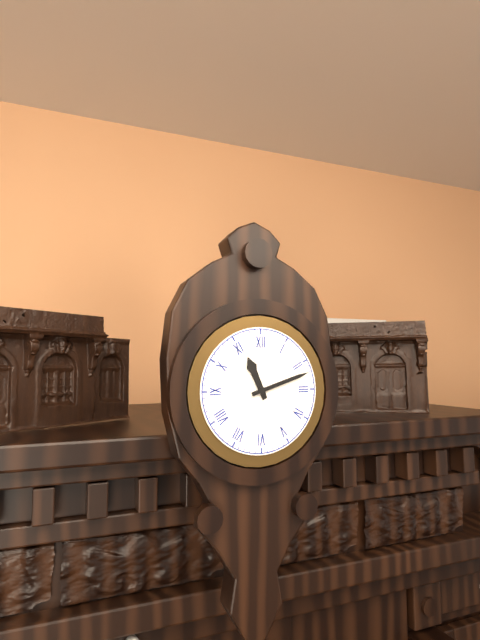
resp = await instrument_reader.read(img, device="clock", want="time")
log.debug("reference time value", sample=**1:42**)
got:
**11:12**
